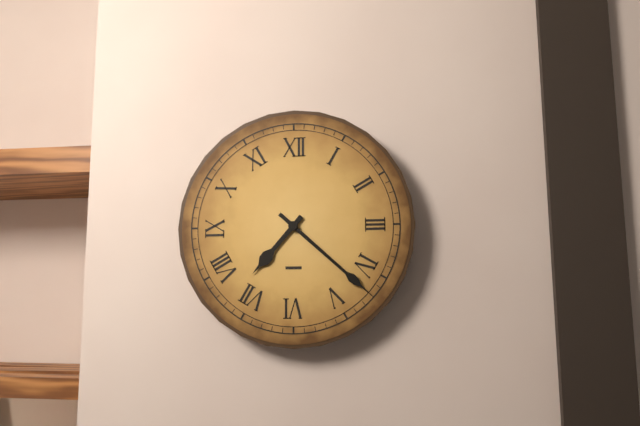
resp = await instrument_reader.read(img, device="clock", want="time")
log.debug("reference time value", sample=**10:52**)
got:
**7:22**
